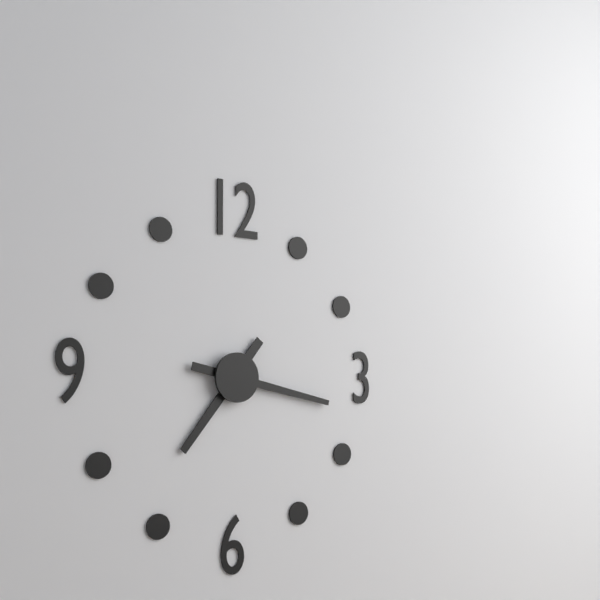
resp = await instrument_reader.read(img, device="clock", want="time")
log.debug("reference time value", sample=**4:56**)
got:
**7:17**
